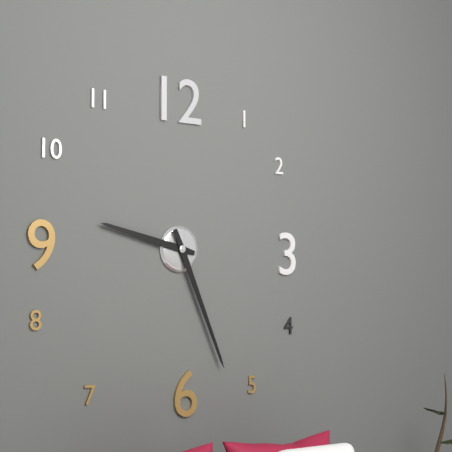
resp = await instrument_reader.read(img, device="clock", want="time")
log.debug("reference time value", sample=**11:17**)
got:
**9:26**
